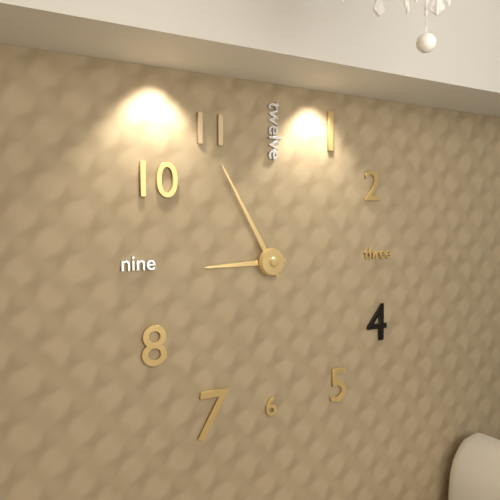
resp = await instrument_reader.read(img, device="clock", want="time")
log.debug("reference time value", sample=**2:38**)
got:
**8:55**
